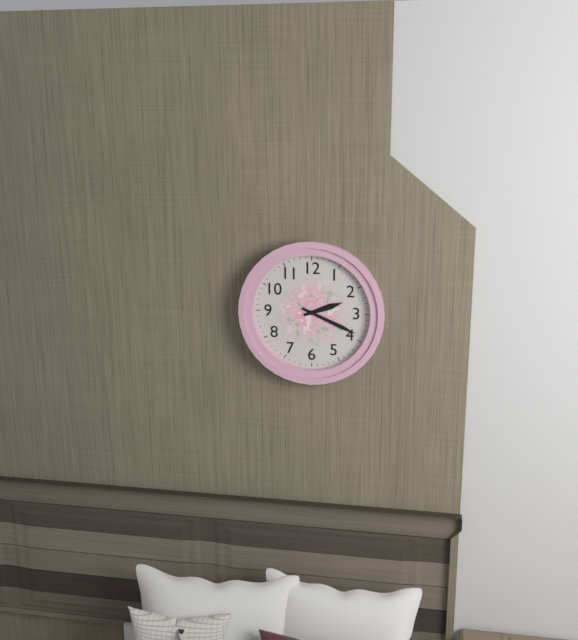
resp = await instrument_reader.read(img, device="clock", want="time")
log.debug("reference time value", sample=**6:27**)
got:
**2:19**
